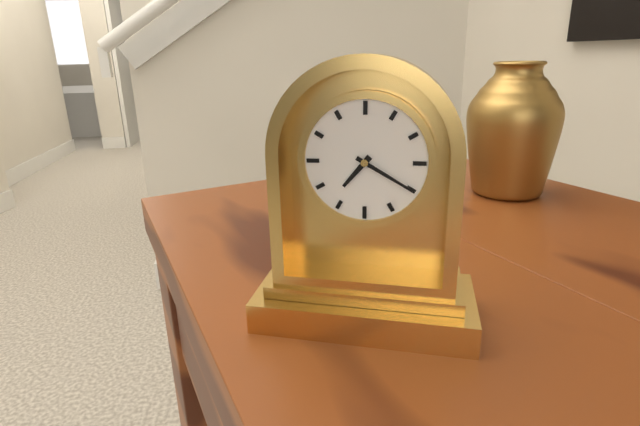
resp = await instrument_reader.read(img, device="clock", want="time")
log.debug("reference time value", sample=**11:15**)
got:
**7:20**
